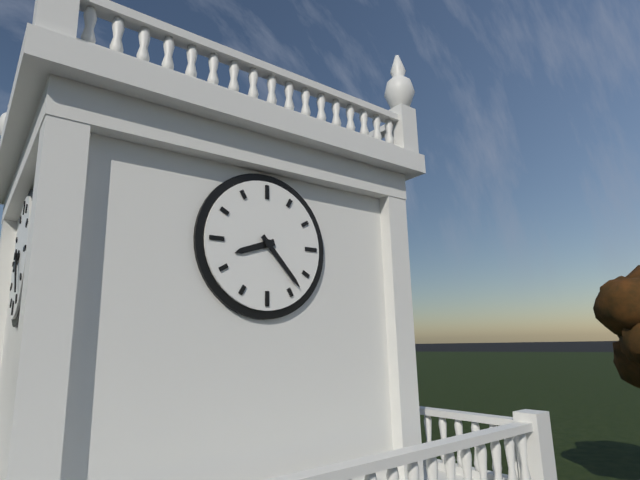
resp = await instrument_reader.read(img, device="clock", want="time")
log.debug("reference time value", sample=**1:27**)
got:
**8:23**
